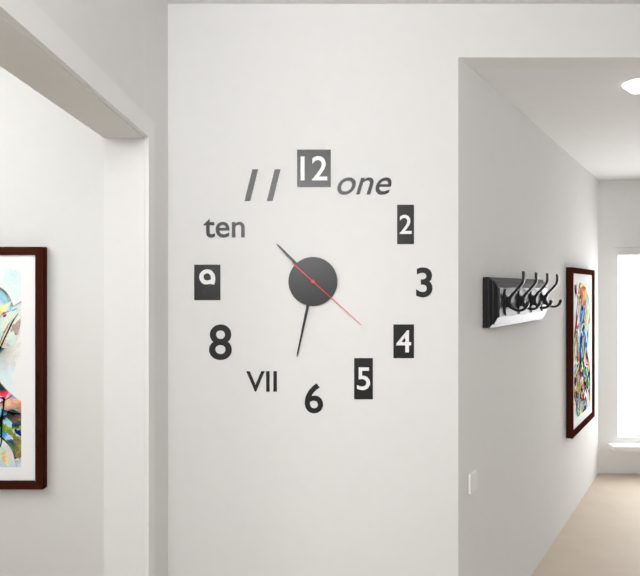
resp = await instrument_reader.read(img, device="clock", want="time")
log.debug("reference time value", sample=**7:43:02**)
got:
**10:32:22**
